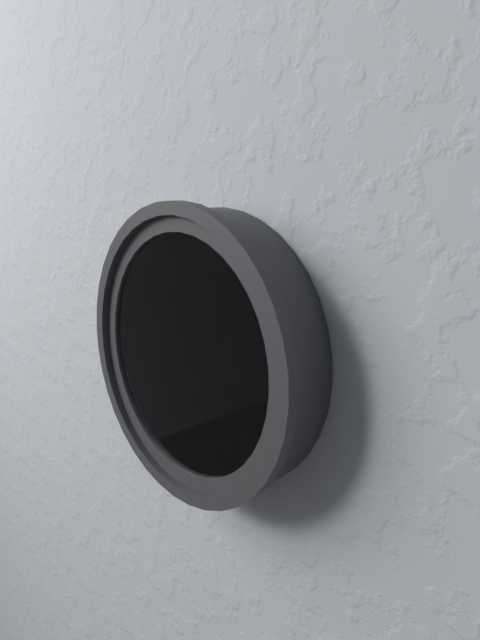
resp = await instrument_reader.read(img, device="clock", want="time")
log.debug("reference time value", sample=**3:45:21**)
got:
**3:27:43**
